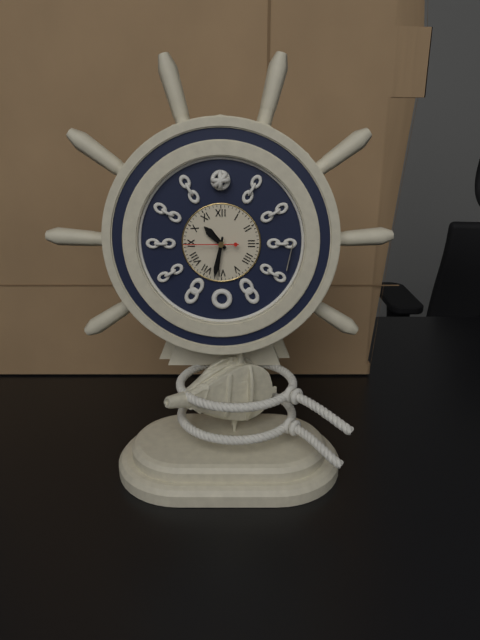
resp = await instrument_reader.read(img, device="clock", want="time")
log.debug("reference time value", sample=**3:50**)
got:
**10:32**
